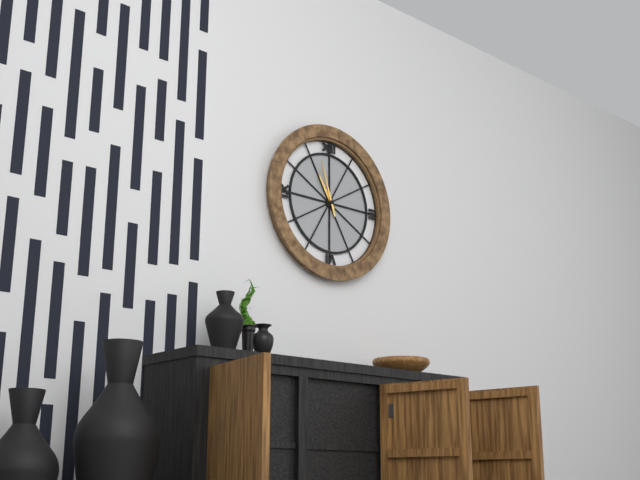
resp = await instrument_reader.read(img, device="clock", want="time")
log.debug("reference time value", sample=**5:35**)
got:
**10:57**
